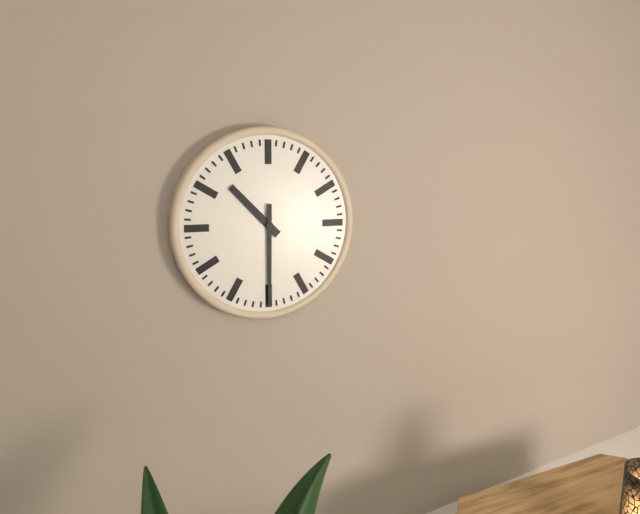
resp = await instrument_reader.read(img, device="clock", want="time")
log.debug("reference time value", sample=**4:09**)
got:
**10:30**
